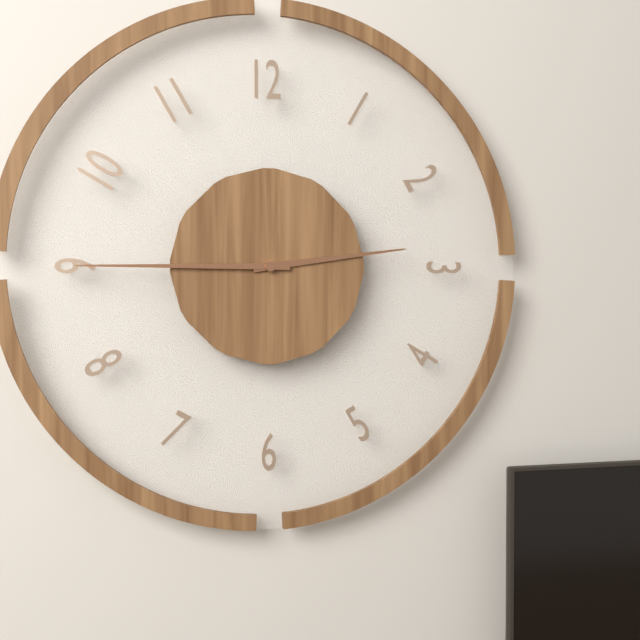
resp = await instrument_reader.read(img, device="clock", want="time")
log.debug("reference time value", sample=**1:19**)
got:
**2:45**
